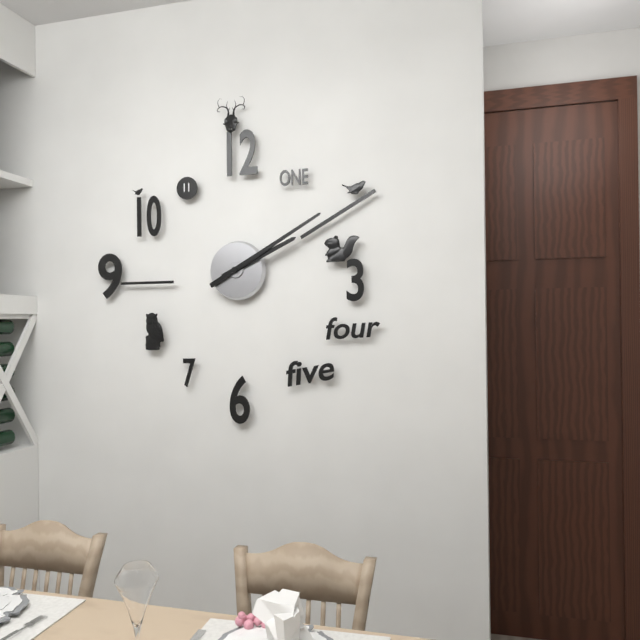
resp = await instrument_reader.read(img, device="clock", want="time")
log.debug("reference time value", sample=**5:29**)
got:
**2:10**
